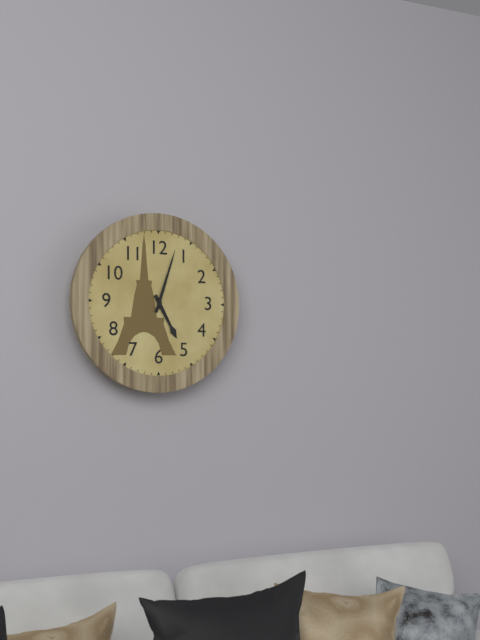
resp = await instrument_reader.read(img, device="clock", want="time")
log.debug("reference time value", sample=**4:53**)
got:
**5:03**
